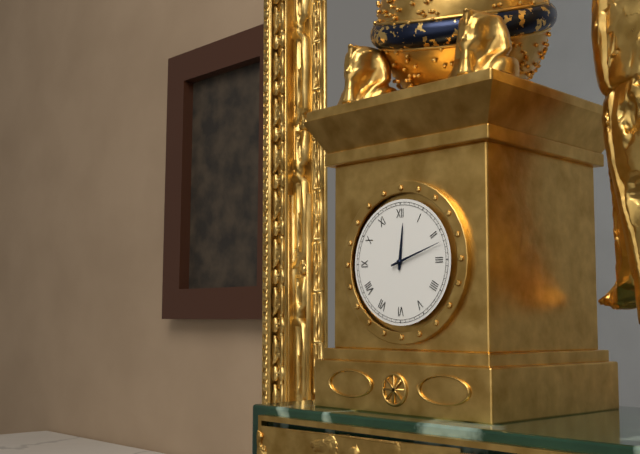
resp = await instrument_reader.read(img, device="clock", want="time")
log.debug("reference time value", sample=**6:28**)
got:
**12:12**
